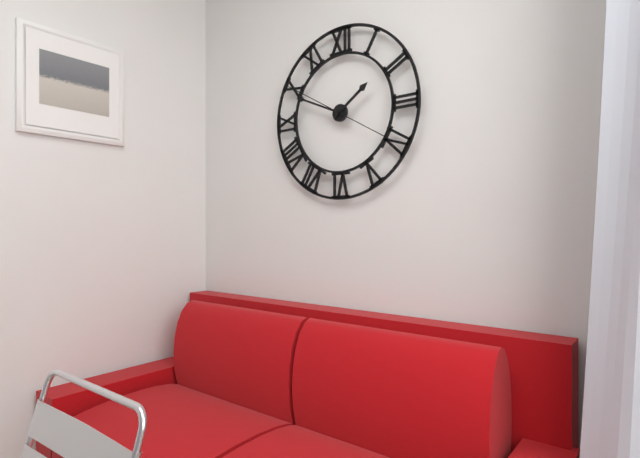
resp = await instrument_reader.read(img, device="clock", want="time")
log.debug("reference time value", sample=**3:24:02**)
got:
**1:49:50**
